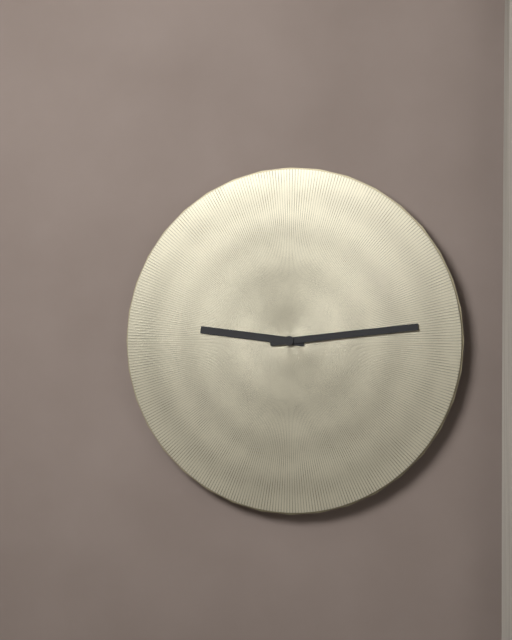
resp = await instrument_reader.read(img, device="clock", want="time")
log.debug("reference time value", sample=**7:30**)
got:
**9:14**
